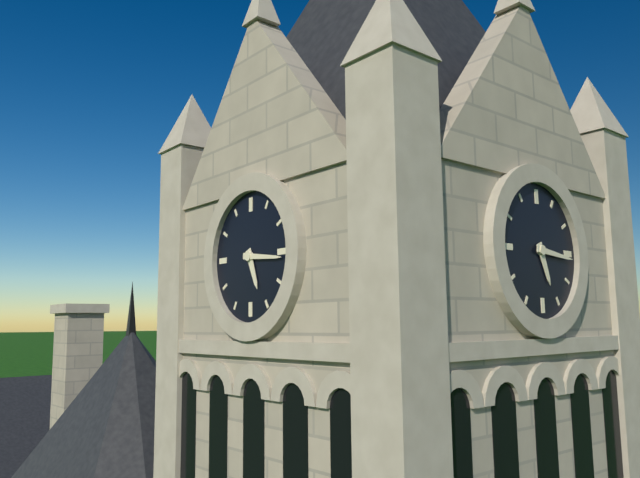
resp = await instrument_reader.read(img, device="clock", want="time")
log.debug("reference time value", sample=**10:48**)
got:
**5:16**
